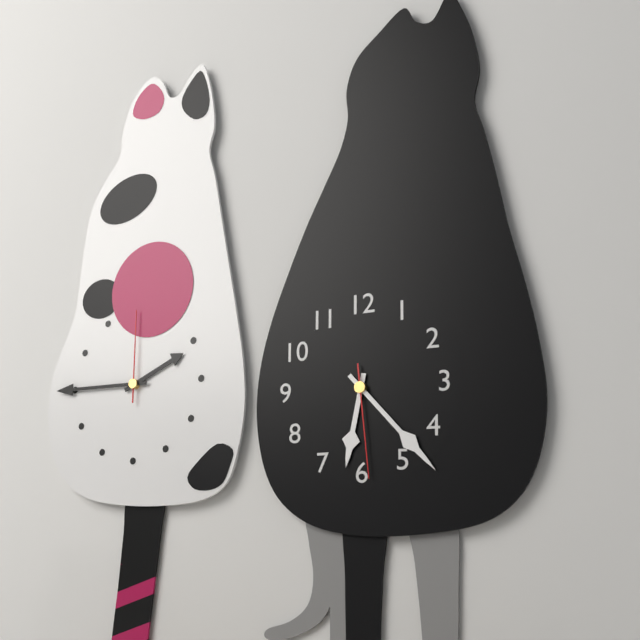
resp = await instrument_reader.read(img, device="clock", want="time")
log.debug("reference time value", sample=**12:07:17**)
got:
**6:23:29**
